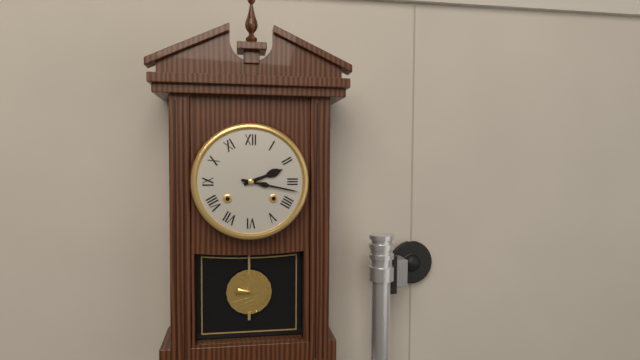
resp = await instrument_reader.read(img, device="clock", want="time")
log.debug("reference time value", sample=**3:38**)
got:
**2:17**
